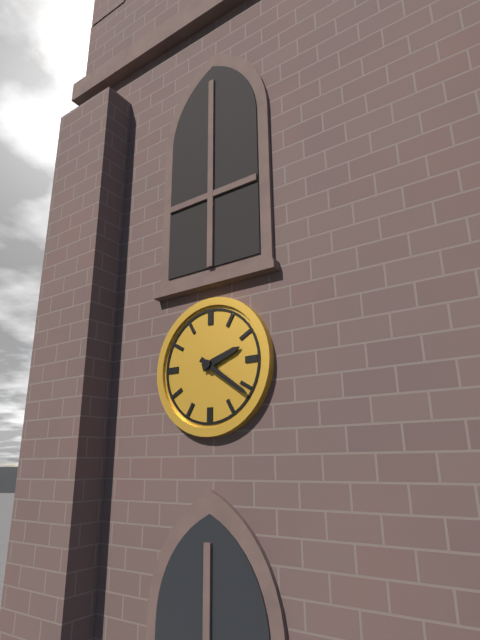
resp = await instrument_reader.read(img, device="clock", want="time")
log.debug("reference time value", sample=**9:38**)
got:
**2:21**
